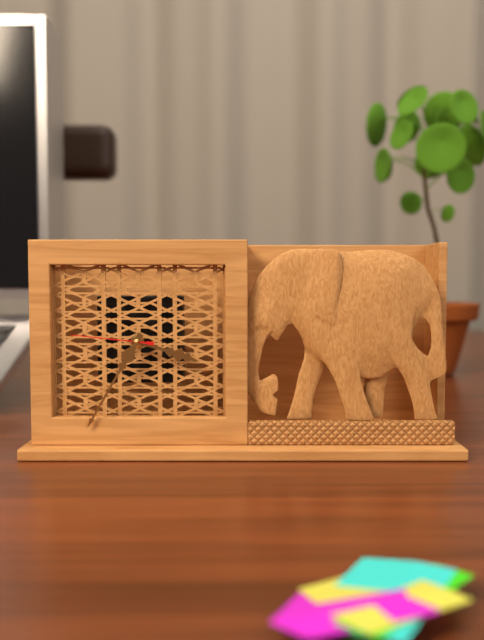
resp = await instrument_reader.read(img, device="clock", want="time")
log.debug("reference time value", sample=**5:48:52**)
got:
**3:35:46**
